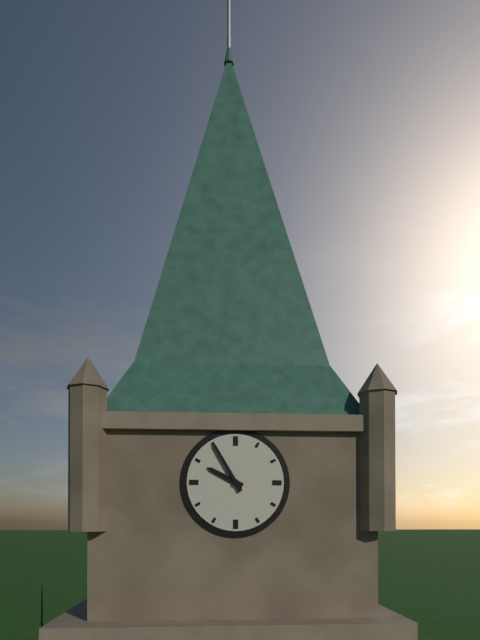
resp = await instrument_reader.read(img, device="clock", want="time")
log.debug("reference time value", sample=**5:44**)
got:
**9:55**
